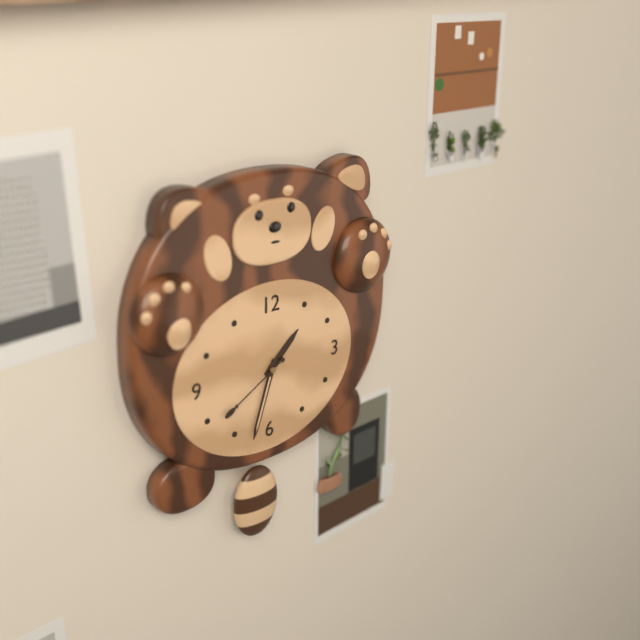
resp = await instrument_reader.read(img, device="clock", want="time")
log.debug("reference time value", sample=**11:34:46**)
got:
**1:33:40**
